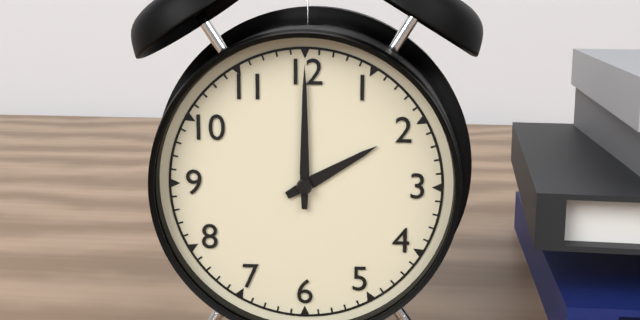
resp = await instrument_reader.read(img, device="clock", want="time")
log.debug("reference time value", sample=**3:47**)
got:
**2:00**
